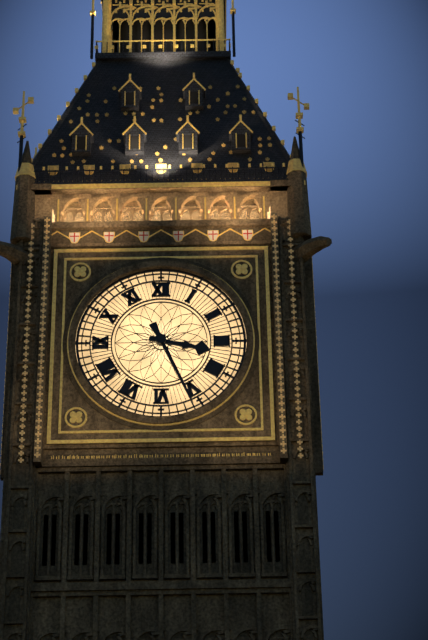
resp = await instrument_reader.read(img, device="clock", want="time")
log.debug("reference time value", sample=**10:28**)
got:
**3:26**
